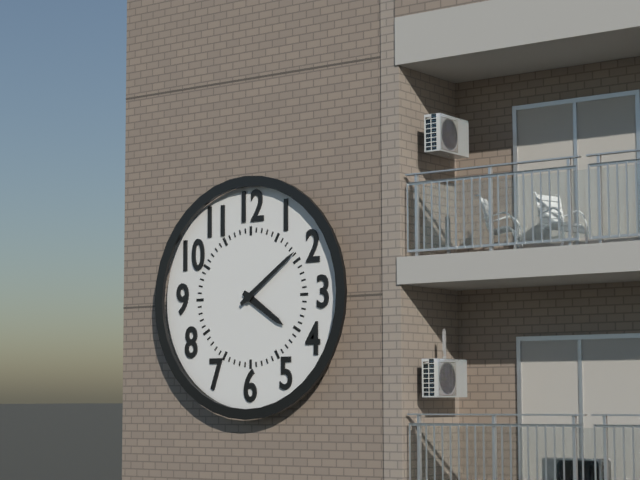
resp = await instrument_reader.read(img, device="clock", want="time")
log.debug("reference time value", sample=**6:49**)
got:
**4:09**
